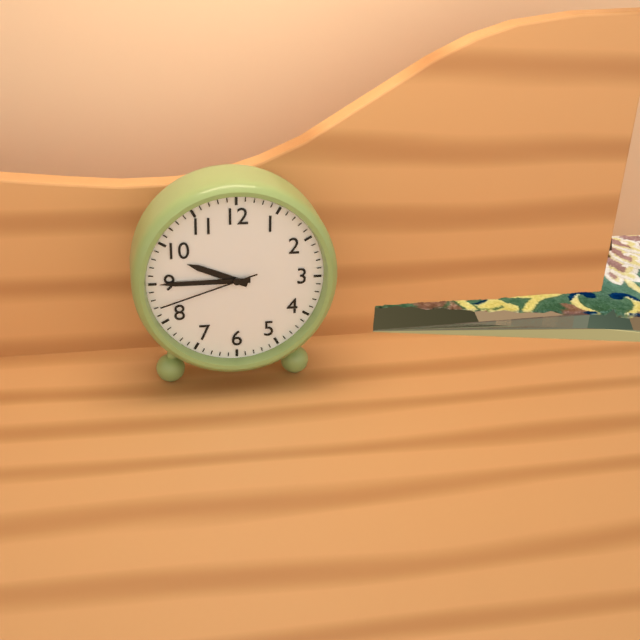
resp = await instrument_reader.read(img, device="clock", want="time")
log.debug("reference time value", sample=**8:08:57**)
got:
**9:45:42**
